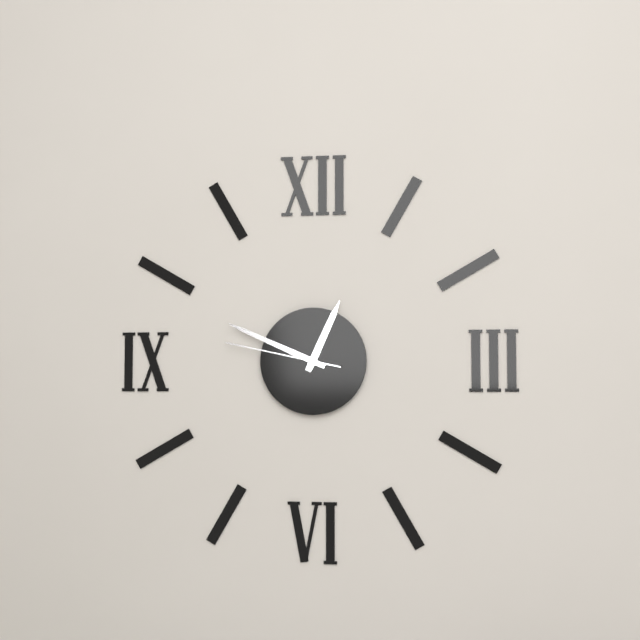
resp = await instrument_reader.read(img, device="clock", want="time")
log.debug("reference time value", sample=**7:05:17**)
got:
**12:49:47**
